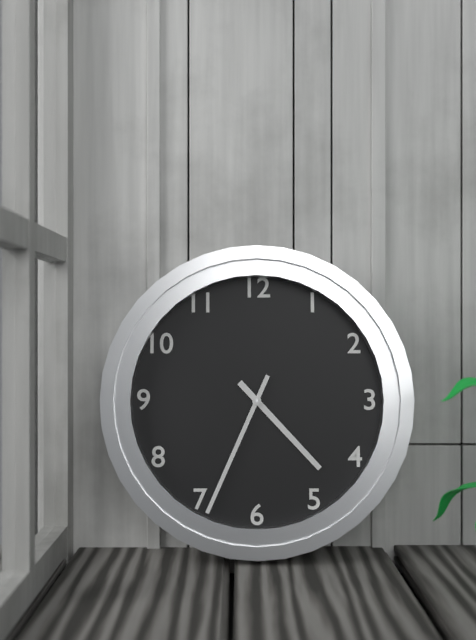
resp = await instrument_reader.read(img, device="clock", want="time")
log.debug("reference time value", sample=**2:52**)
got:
**4:34**
